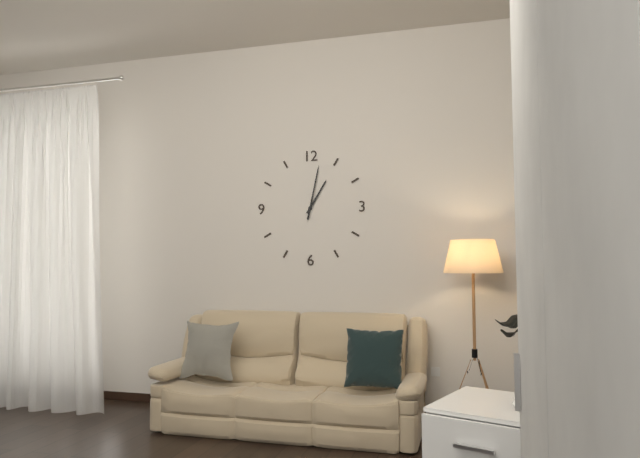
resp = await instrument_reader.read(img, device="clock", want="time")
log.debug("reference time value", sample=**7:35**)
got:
**1:02**
